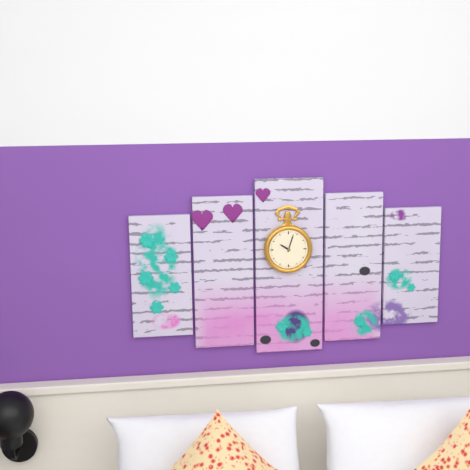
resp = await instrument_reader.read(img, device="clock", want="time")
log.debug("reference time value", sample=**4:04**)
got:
**10:03**
